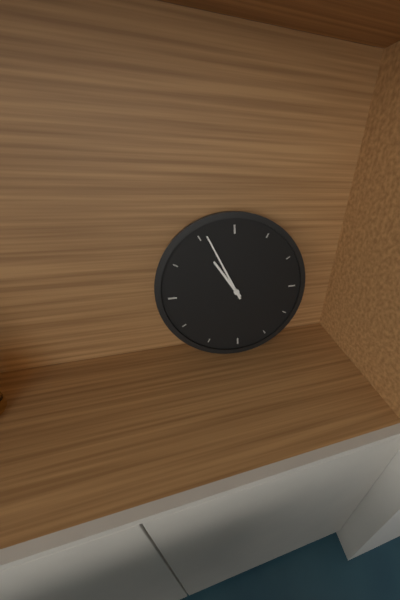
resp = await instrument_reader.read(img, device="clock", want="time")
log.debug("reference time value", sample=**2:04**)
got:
**10:56**
